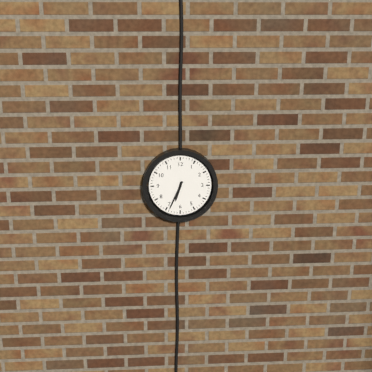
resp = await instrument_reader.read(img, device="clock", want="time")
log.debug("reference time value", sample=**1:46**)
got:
**6:34**
